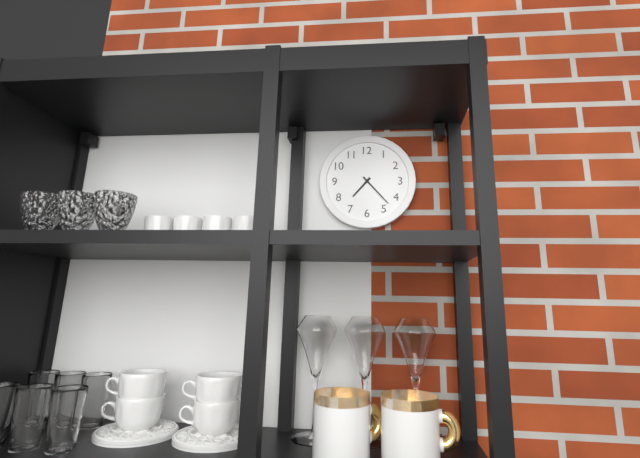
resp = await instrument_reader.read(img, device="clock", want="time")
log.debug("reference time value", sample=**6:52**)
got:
**7:23**
